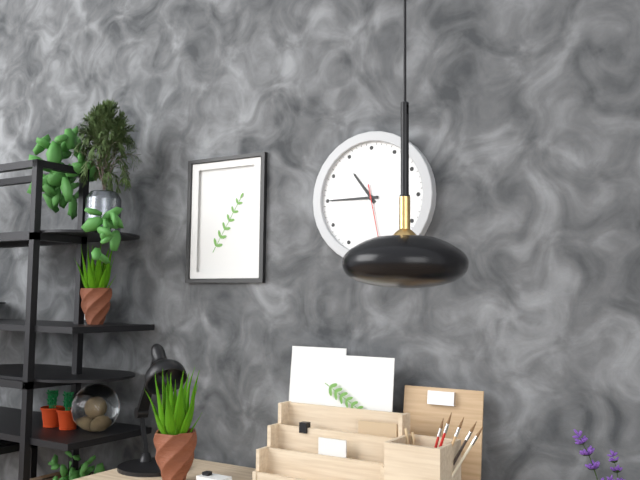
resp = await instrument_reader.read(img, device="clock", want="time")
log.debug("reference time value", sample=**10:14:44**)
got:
**10:45:28**
